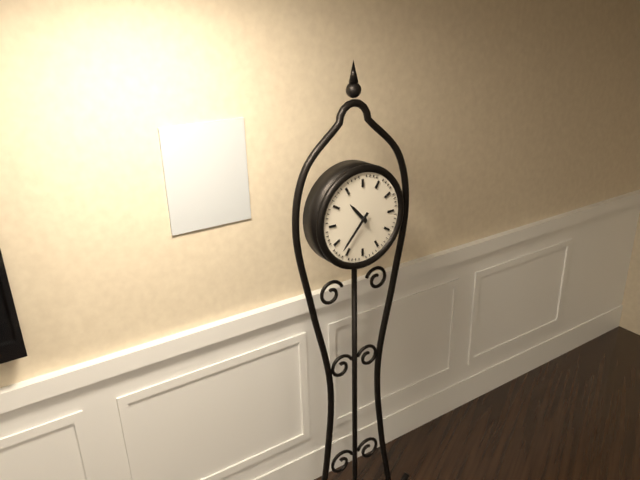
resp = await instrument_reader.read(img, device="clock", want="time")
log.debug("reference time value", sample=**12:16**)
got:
**10:37**
